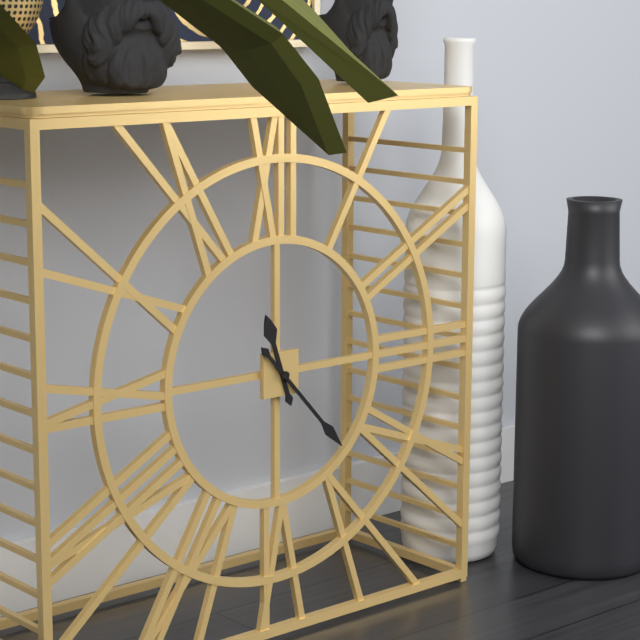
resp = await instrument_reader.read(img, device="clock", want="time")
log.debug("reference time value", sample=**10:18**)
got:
**11:23**
